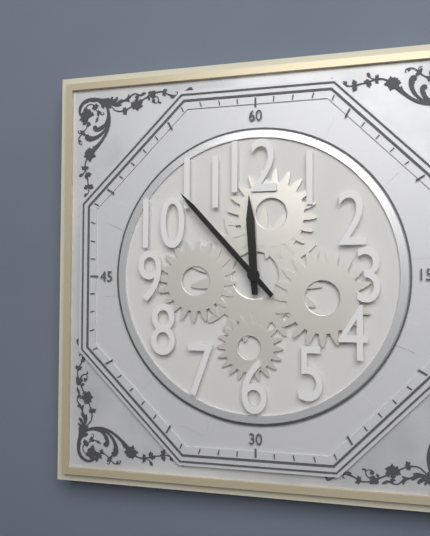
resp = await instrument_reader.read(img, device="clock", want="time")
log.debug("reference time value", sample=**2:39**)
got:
**11:53**
